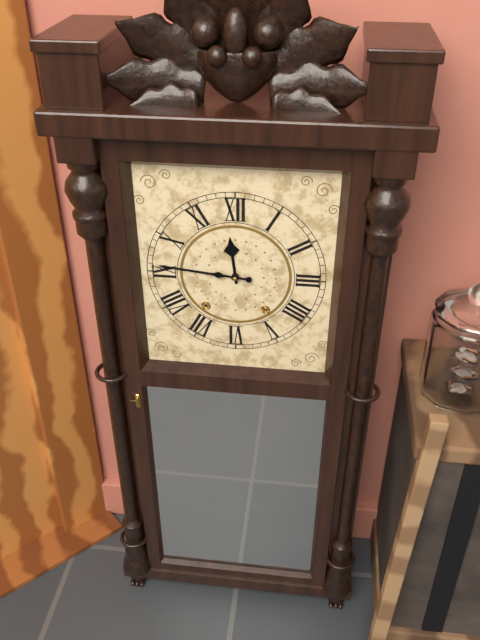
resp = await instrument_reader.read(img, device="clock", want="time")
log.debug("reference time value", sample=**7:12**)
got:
**11:46**
